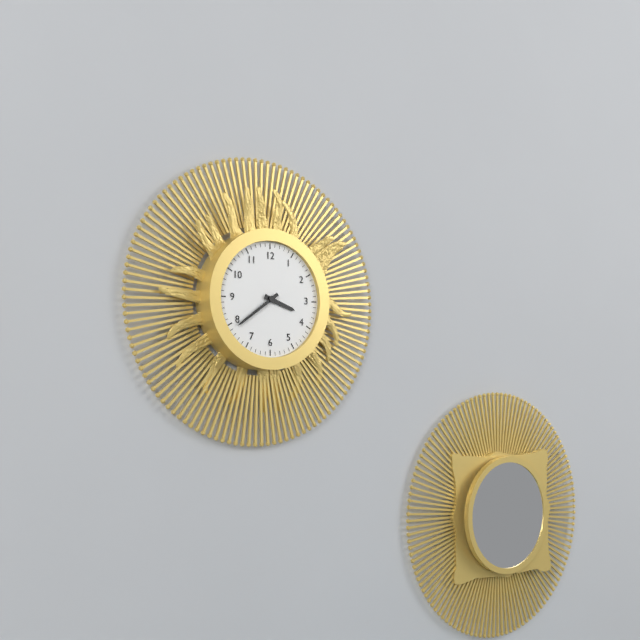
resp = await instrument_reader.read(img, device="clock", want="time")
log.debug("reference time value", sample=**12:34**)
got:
**3:39**
